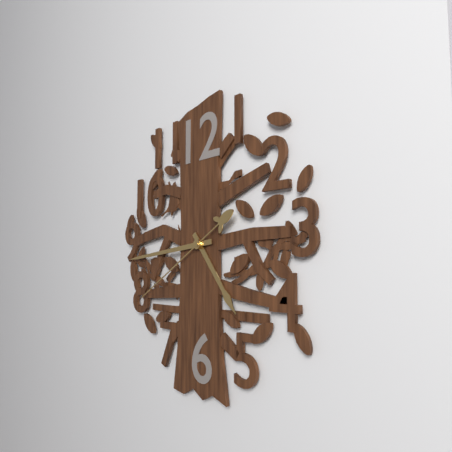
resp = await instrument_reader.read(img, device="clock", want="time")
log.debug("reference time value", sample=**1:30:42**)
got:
**4:44:40**
